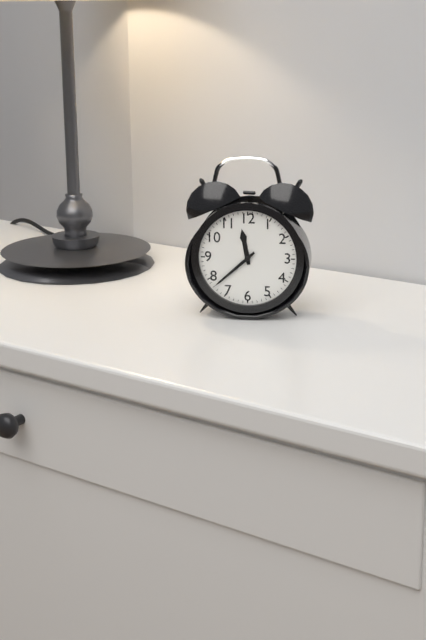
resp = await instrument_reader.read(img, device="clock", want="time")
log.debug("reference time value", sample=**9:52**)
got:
**11:38**
